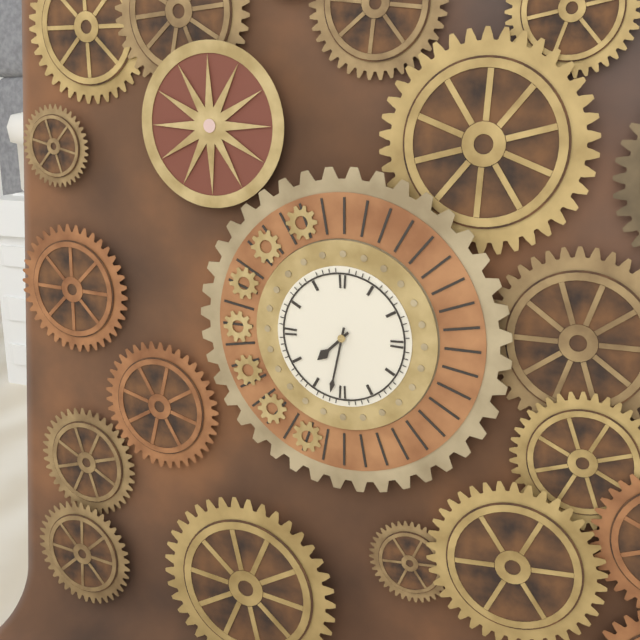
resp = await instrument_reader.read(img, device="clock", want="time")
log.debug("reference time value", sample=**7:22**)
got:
**7:32**
